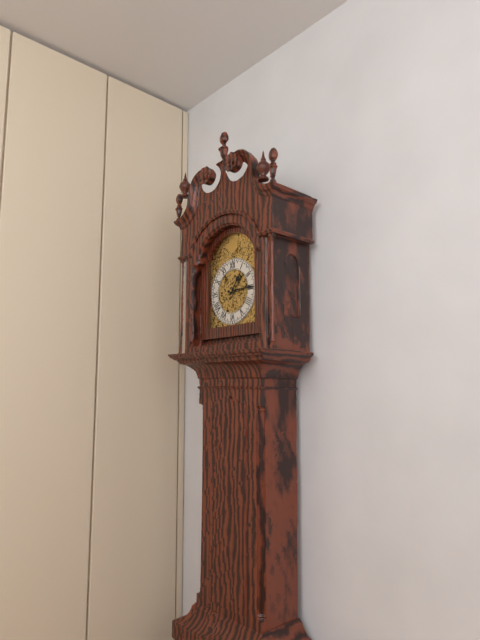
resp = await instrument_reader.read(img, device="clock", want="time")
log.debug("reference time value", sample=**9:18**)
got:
**1:15**
